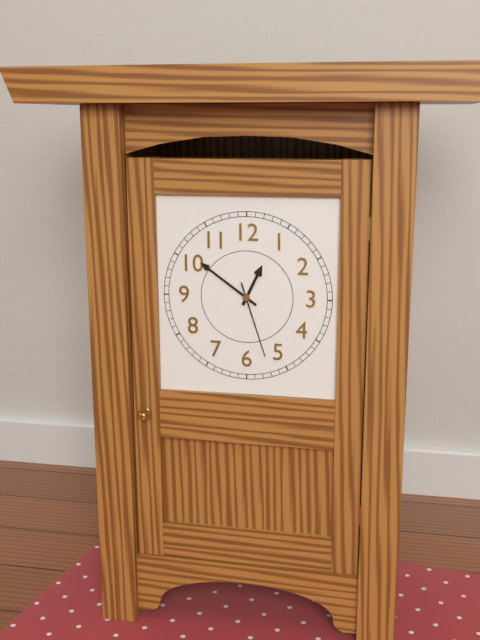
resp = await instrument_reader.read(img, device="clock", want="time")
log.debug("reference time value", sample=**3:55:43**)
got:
**12:51:27**
